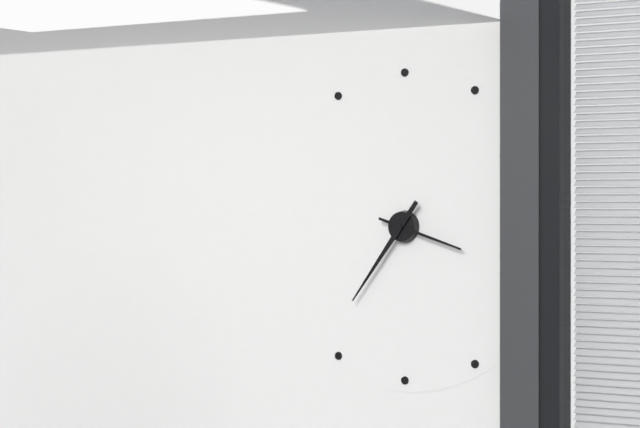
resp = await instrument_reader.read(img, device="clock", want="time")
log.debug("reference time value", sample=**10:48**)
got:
**3:36**
